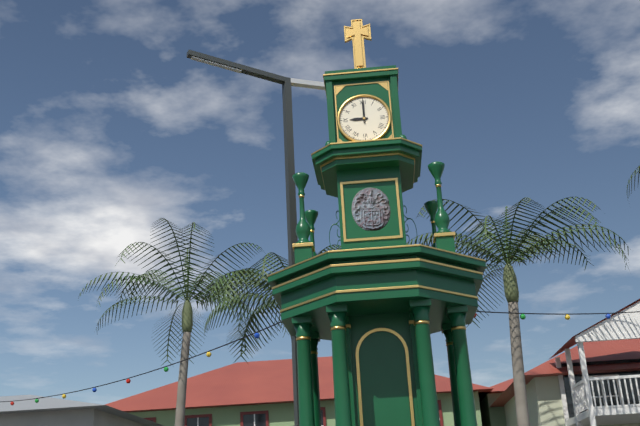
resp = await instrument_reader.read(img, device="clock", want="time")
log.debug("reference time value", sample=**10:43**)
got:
**9:00**
